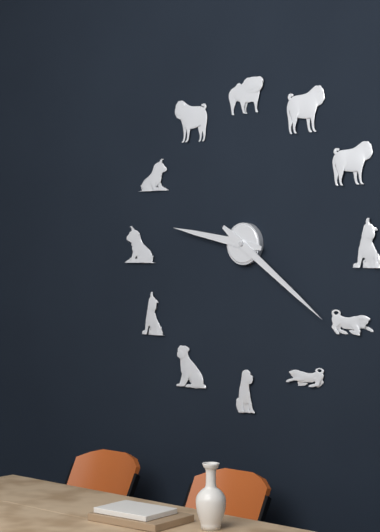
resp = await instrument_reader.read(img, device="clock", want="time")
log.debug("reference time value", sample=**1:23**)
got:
**9:21**
